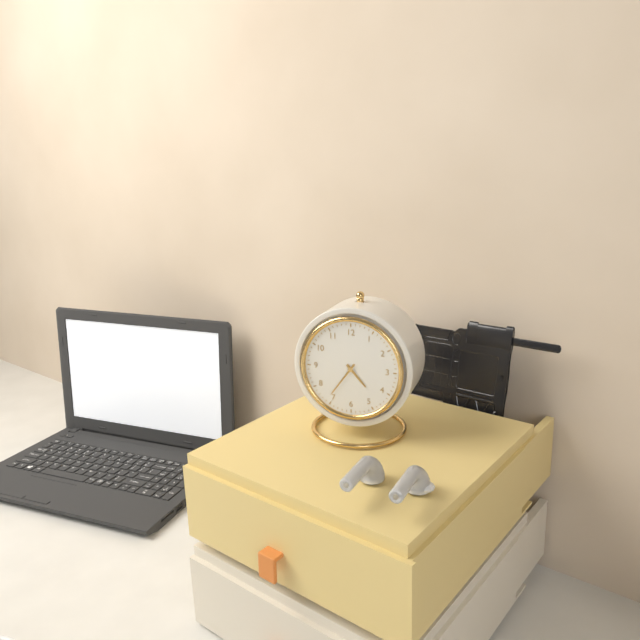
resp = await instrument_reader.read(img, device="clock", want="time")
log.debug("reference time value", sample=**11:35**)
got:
**4:36**
